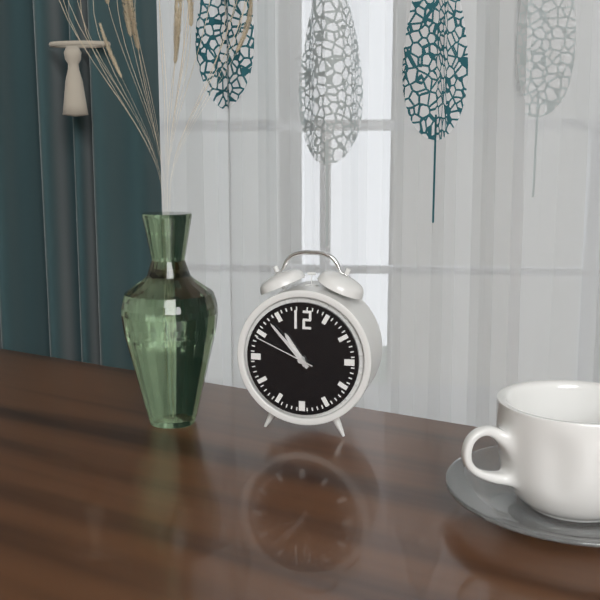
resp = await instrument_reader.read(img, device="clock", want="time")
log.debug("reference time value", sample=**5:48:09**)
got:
**10:53:49**
